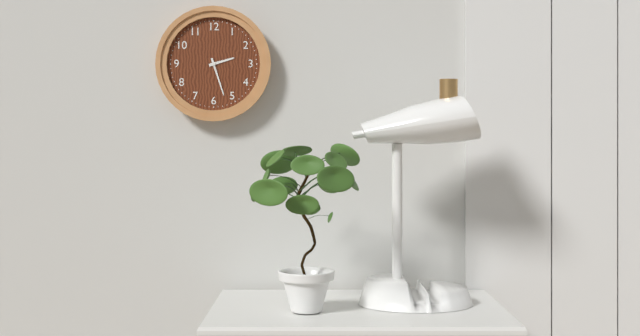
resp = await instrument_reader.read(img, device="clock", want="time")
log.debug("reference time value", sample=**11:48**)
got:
**2:27**
